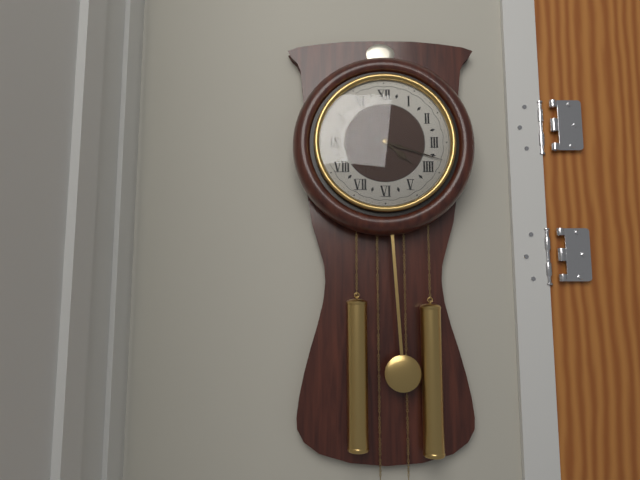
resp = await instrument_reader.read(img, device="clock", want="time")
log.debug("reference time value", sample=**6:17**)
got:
**4:18**
